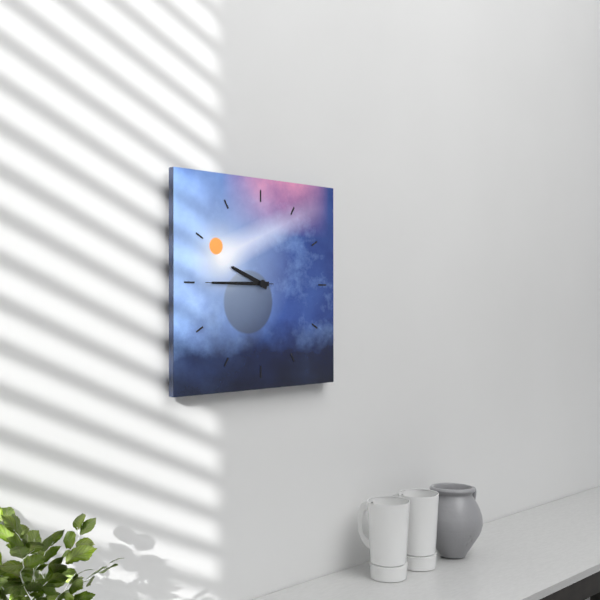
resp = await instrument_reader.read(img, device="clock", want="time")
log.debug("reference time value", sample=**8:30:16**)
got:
**9:45:45**
